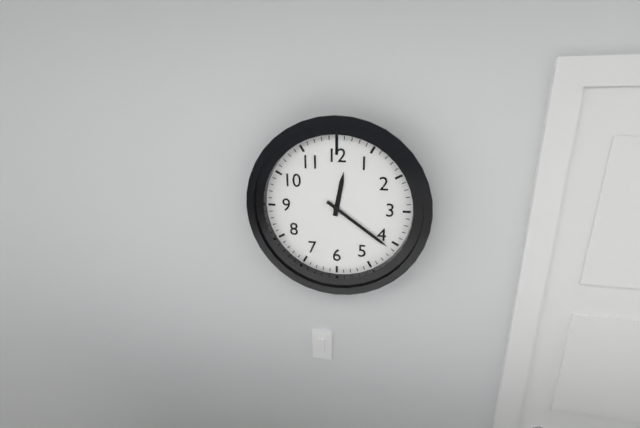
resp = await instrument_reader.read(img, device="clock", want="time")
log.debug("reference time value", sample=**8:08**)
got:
**12:21**
